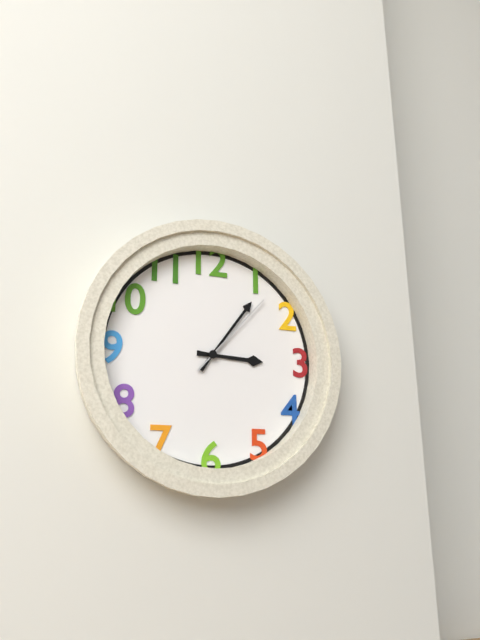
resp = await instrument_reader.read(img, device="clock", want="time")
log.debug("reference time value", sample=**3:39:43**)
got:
**3:06:07**
